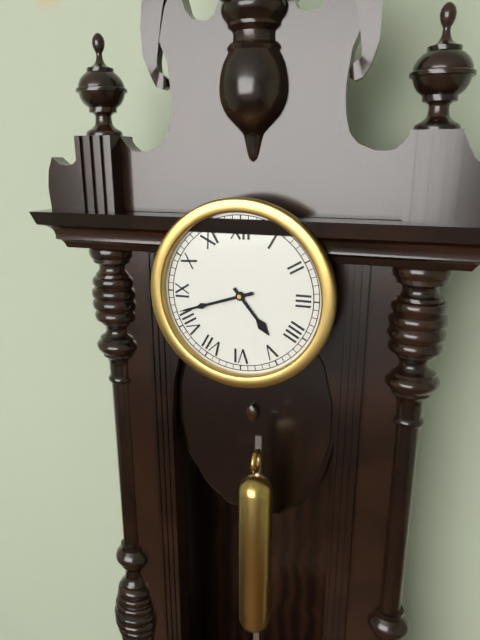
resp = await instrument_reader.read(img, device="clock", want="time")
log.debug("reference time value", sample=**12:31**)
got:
**4:42**
